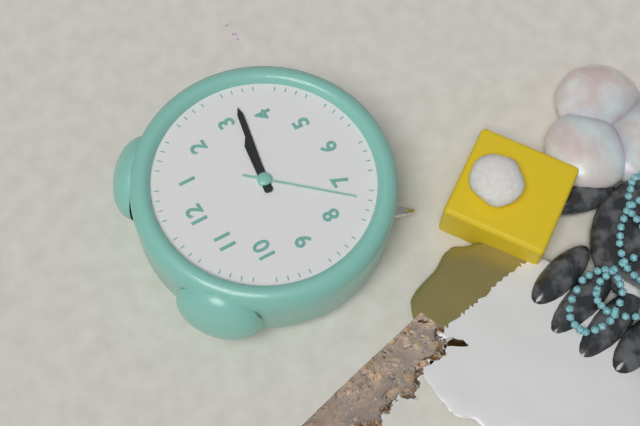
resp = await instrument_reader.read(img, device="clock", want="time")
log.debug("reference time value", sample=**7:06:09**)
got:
**3:17:37**
